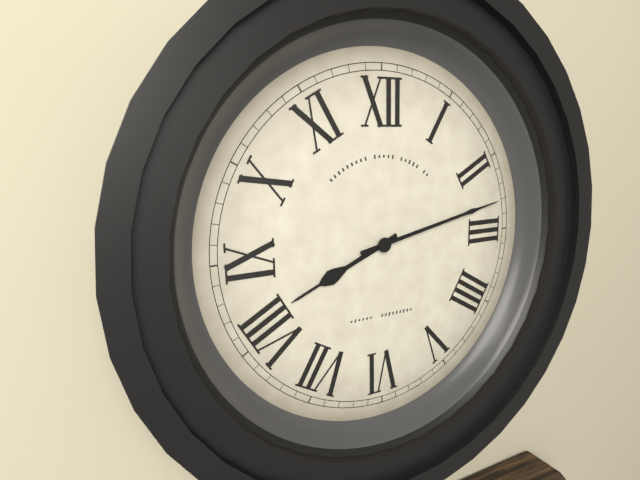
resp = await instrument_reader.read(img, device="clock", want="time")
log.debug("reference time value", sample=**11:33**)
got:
**8:13**
